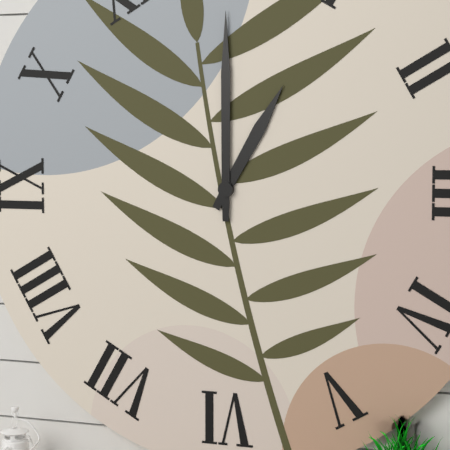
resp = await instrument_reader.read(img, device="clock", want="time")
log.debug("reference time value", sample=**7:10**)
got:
**1:00**
